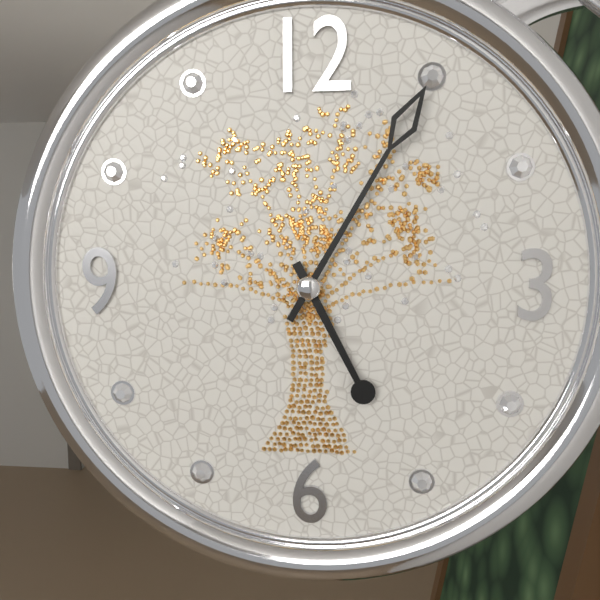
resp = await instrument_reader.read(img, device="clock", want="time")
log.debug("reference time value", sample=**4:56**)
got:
**5:05**
